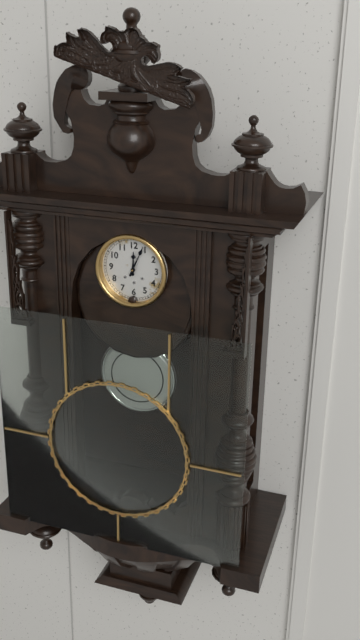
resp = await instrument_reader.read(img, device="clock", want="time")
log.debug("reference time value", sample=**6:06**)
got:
**12:04**
